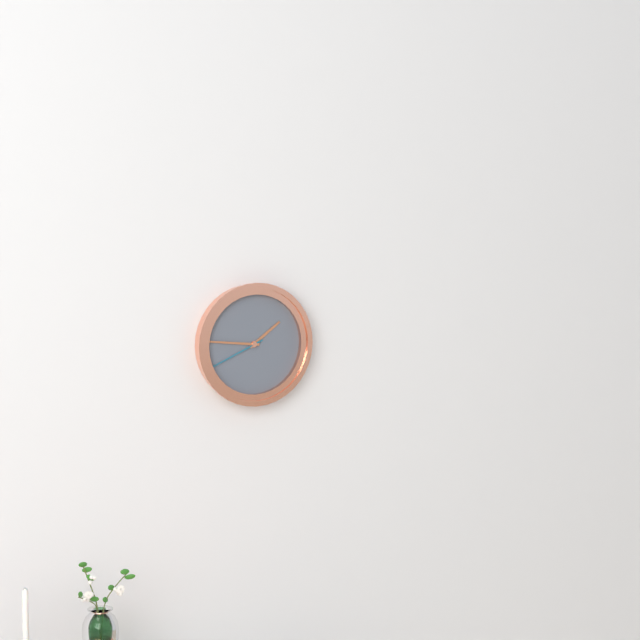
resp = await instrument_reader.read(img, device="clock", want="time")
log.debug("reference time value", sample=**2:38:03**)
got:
**1:46:41**
